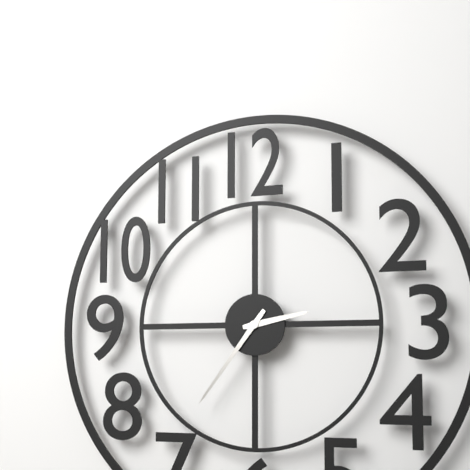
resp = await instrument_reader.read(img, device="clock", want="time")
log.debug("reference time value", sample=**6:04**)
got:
**2:36**
